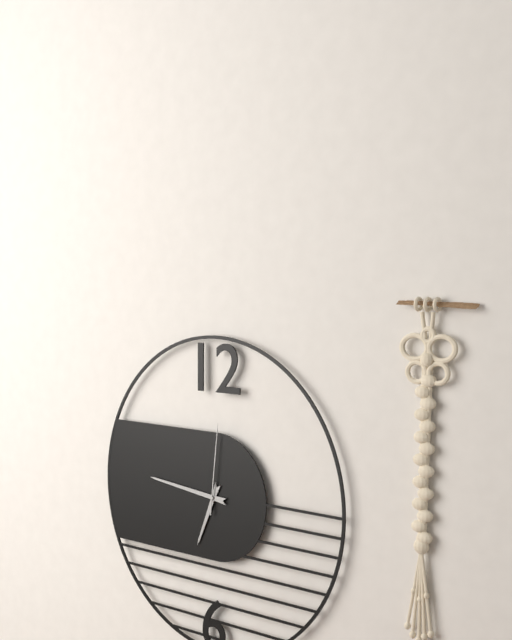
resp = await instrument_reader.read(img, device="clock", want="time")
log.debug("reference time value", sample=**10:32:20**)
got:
**6:46:01**
